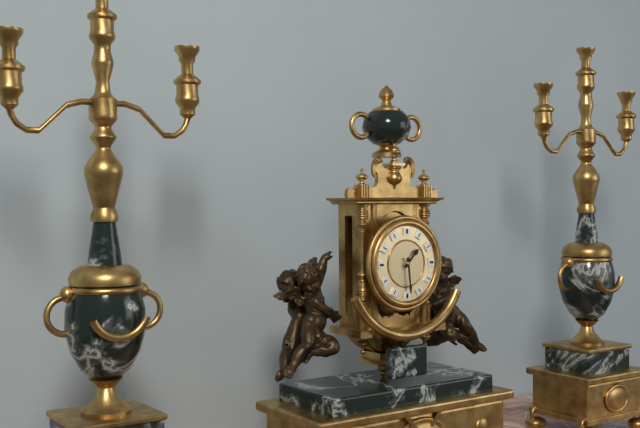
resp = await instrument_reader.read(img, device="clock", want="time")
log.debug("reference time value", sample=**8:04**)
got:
**1:29**
